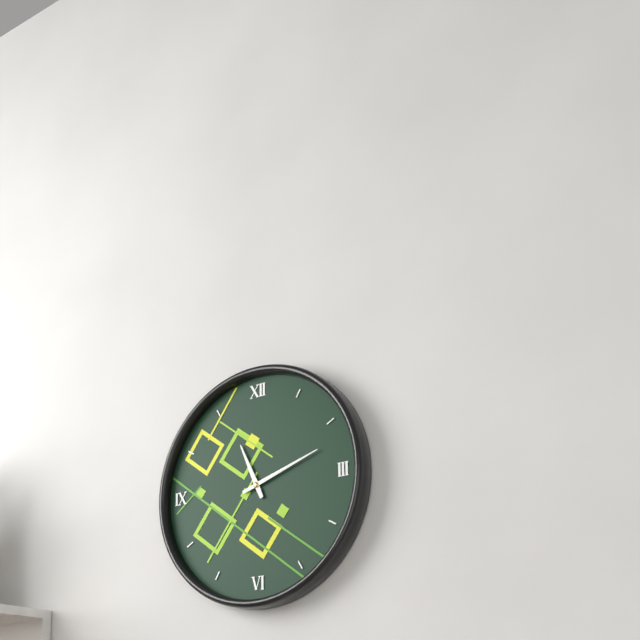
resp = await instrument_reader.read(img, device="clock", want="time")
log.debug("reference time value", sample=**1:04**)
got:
**11:12**
